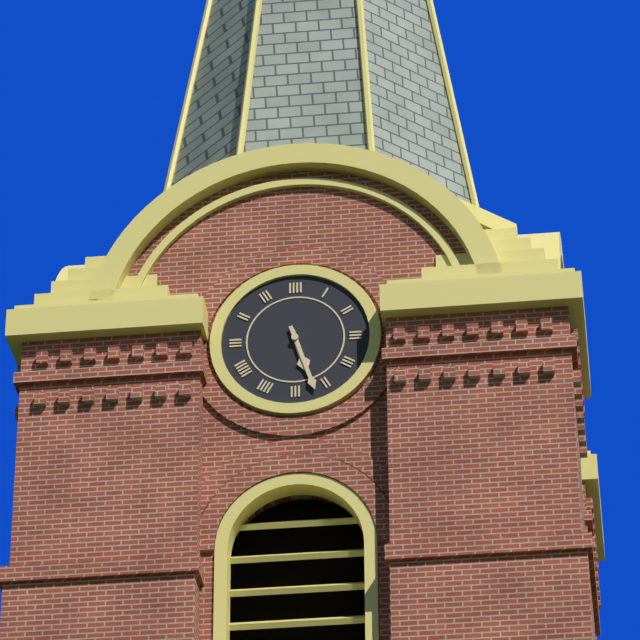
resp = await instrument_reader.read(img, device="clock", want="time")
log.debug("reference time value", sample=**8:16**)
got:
**5:27**
